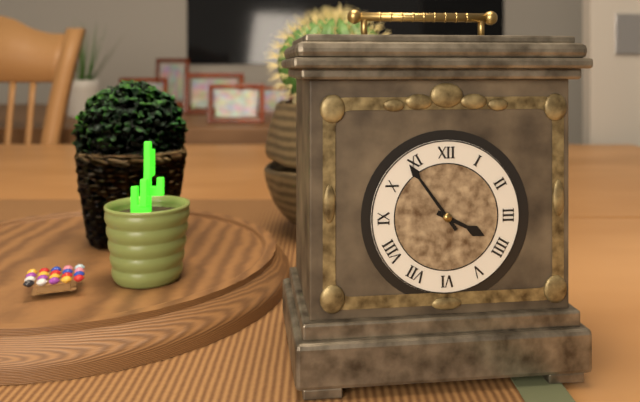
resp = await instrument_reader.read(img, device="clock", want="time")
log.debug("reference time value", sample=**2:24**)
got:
**3:54**
